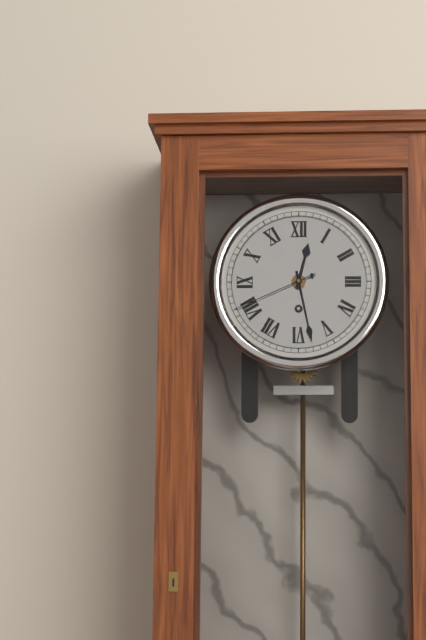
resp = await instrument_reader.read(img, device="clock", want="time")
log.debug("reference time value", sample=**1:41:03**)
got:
**12:28:41**
